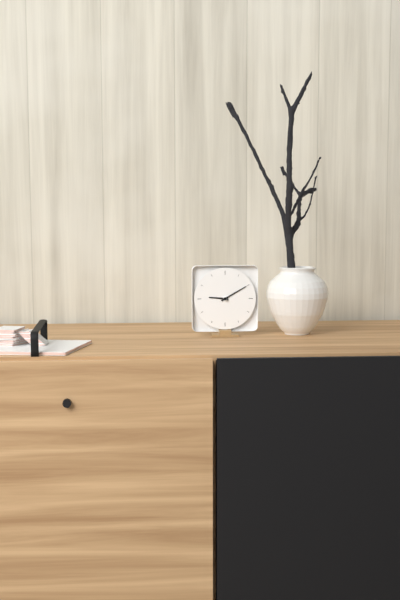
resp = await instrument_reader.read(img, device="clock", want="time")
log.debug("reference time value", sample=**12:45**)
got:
**9:10**
